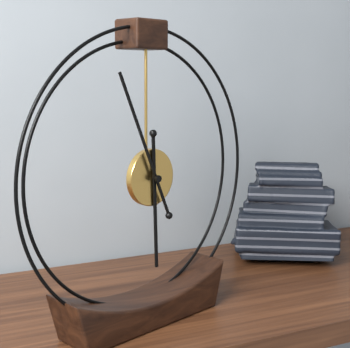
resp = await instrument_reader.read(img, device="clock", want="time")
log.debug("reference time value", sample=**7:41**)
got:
**5:56**
